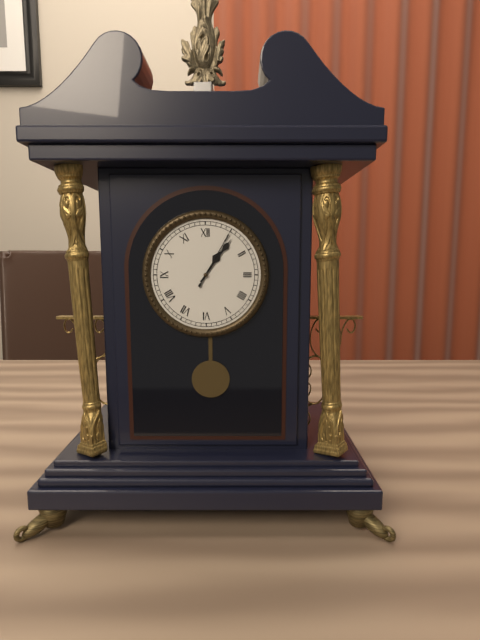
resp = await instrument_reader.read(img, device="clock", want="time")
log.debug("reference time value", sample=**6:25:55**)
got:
**1:06:05**
